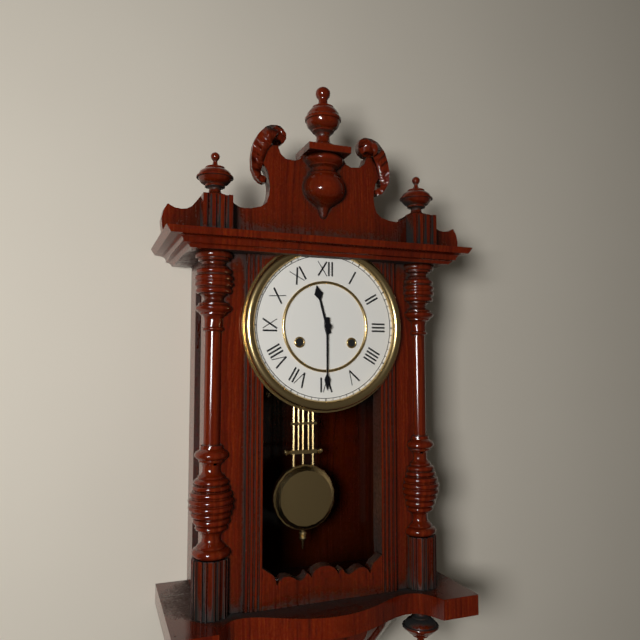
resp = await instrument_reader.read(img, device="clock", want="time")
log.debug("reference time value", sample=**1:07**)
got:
**11:30**
